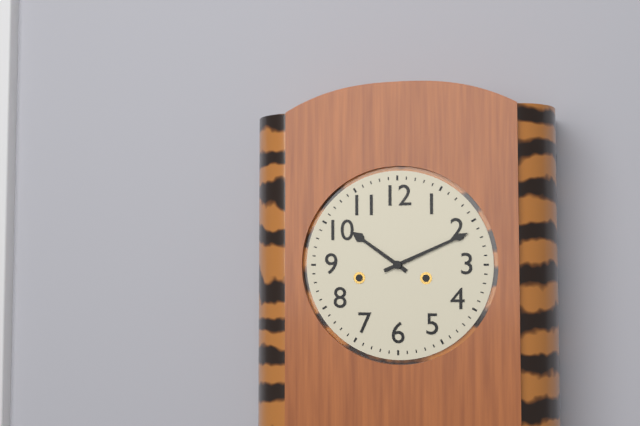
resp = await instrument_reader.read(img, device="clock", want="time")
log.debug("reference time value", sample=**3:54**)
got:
**10:11**
